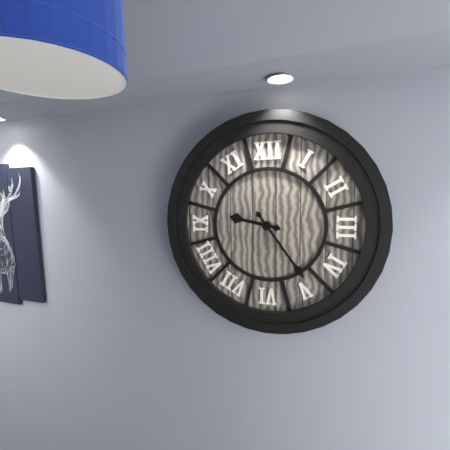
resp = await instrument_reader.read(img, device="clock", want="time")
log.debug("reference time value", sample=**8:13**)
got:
**9:24**
